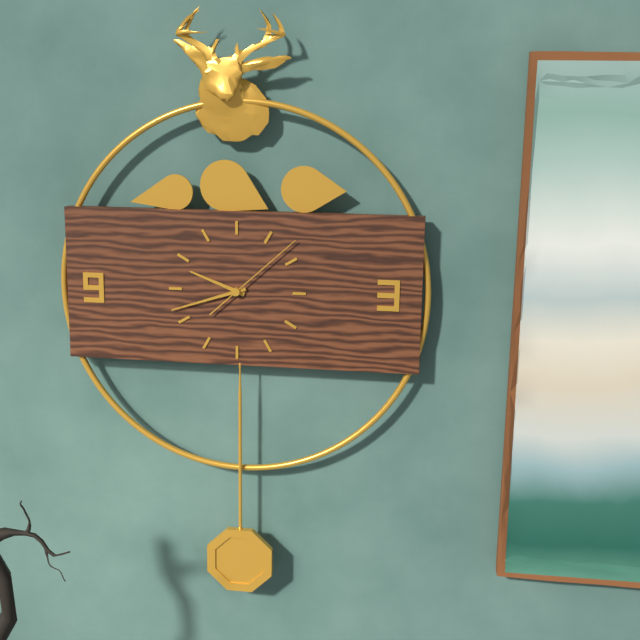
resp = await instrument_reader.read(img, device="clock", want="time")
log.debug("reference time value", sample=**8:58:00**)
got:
**9:42:08**
